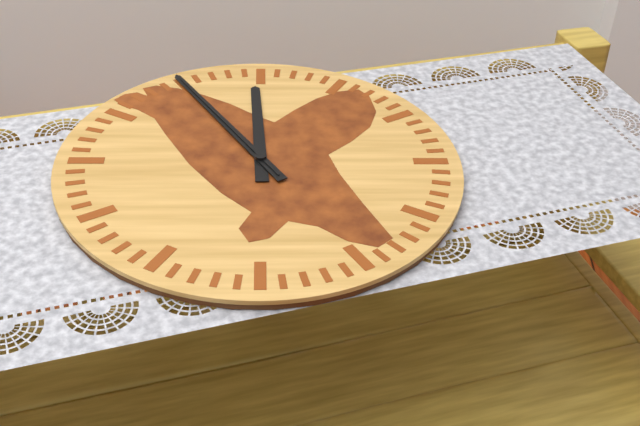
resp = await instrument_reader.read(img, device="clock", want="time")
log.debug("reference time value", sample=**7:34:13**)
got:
**11:55:55**
